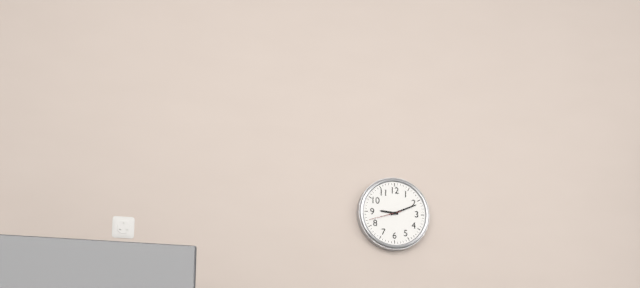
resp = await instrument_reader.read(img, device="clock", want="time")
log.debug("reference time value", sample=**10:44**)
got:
**9:11**
